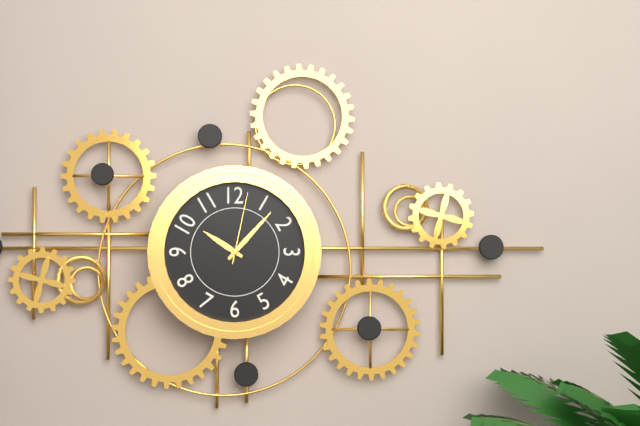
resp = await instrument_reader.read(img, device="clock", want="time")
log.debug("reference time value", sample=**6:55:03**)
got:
**10:07:02**
